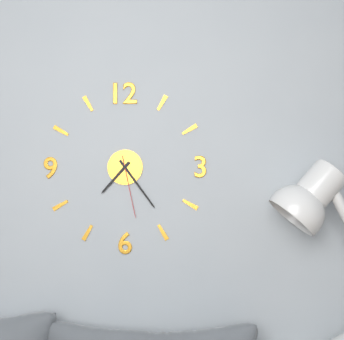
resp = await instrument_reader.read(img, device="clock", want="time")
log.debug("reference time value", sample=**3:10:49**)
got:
**7:24:28**
